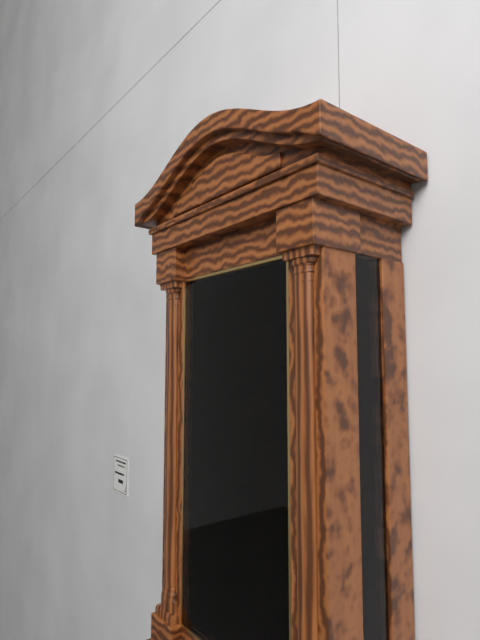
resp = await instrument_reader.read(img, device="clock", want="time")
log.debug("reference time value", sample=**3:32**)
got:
**6:27**
